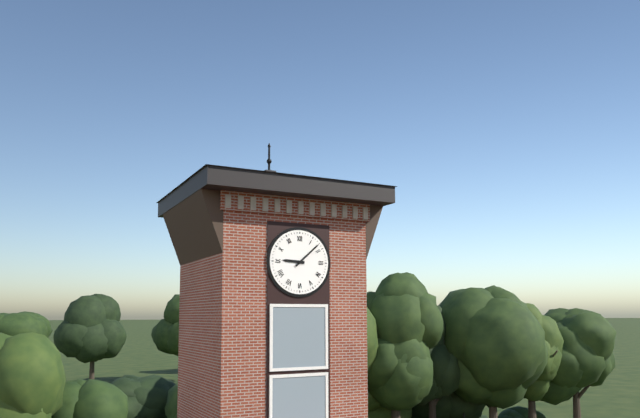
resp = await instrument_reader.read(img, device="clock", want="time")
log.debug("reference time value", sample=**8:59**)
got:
**9:08**
